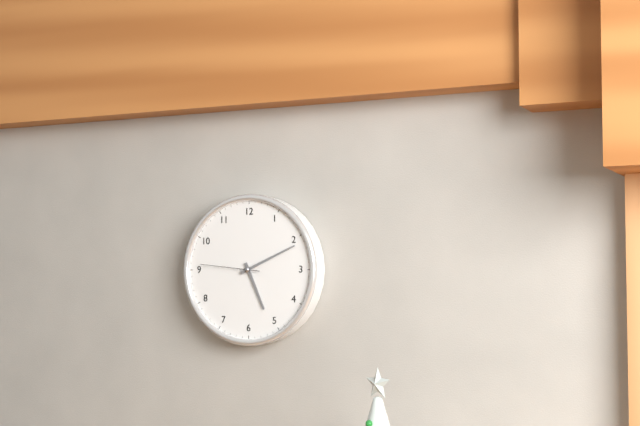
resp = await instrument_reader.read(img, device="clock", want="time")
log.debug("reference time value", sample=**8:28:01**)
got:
**5:11:46**
